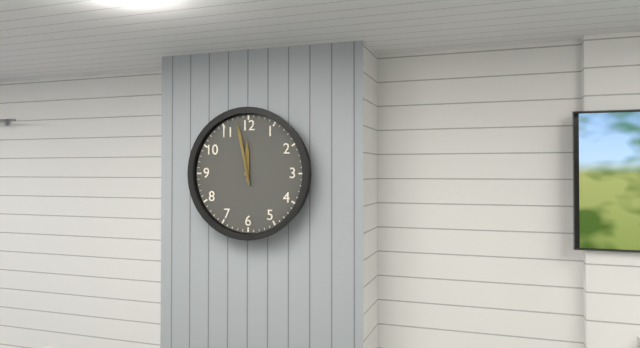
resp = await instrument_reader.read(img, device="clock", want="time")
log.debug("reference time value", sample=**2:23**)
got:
**11:58**
